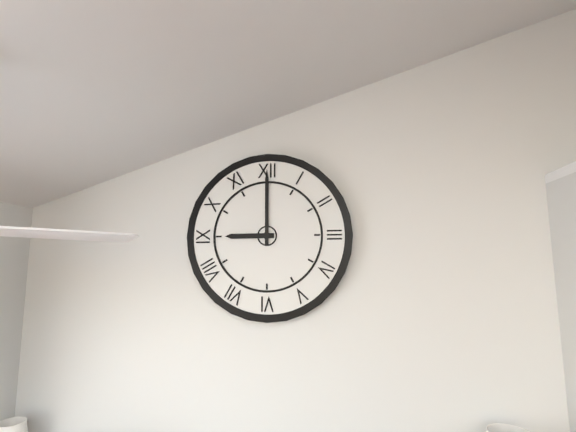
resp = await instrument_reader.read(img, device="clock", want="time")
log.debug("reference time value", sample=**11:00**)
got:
**9:00**
